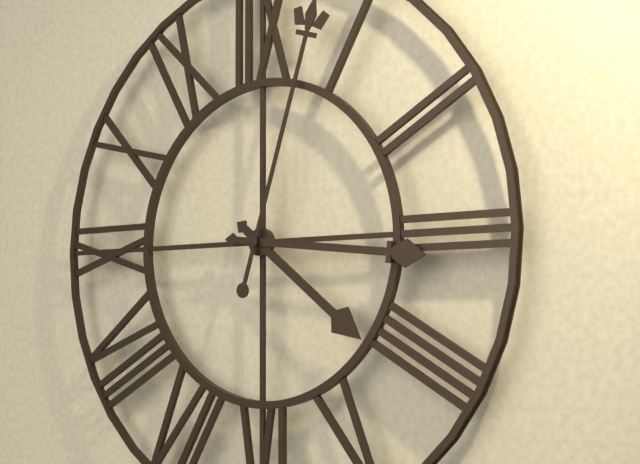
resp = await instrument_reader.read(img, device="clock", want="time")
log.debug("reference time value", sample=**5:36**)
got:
**4:16**
